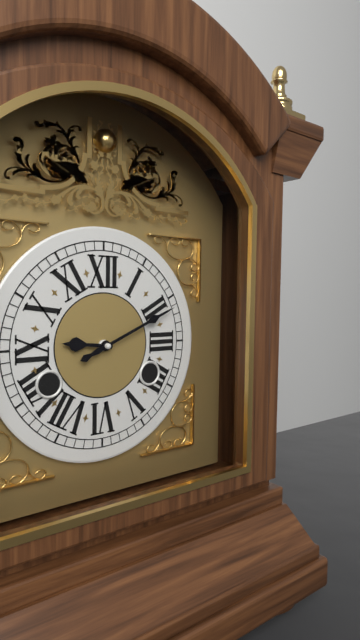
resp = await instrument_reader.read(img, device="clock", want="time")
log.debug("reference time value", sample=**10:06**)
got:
**9:11**
